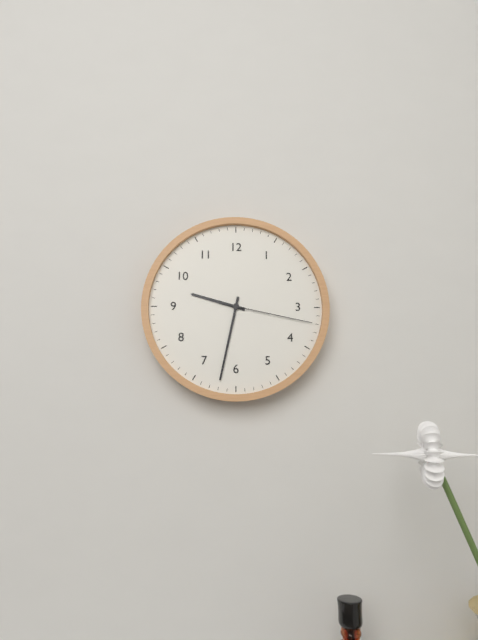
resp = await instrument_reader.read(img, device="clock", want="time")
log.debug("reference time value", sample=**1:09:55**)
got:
**9:32:17**
